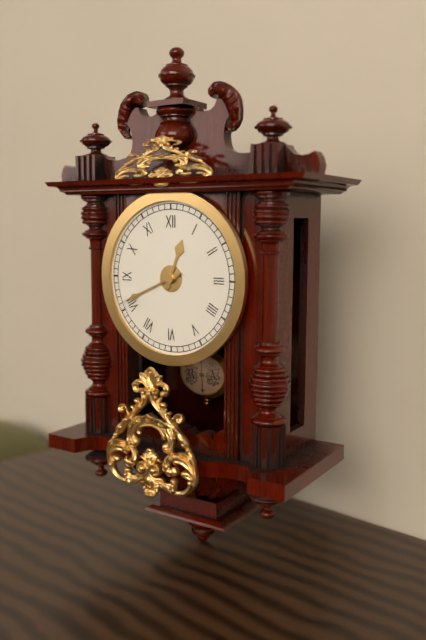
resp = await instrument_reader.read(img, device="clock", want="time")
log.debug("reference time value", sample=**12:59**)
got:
**12:41**
